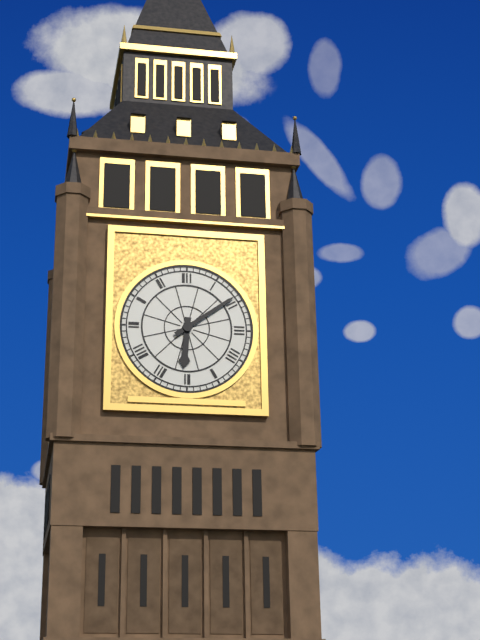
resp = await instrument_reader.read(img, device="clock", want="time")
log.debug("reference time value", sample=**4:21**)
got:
**6:09**
